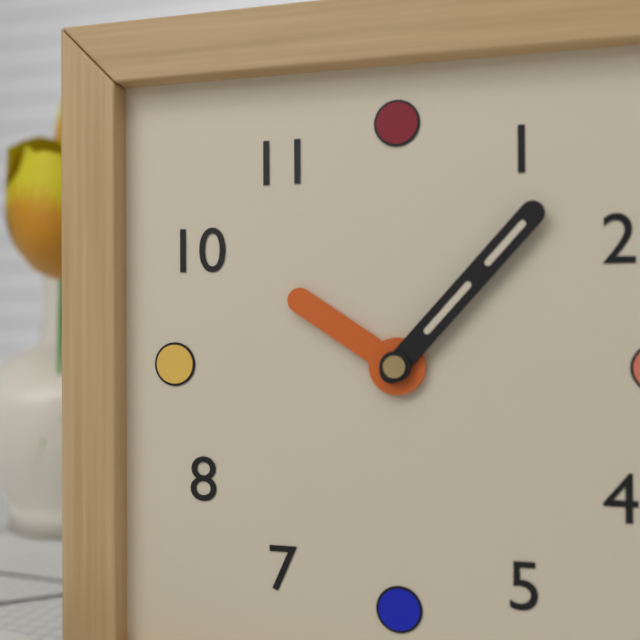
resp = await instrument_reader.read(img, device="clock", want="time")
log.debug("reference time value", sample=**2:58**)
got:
**10:07**
